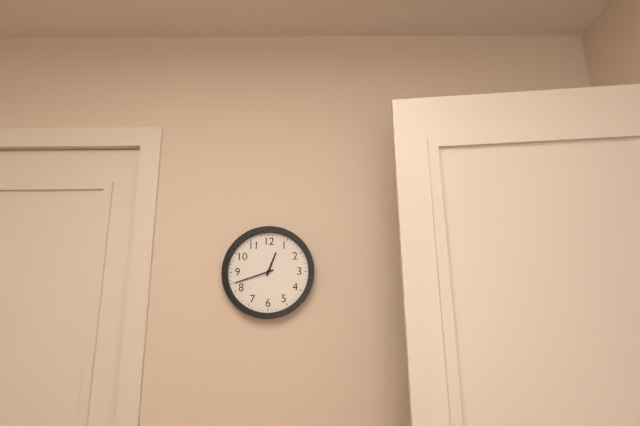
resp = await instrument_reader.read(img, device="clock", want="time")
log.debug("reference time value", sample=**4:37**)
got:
**12:42**
